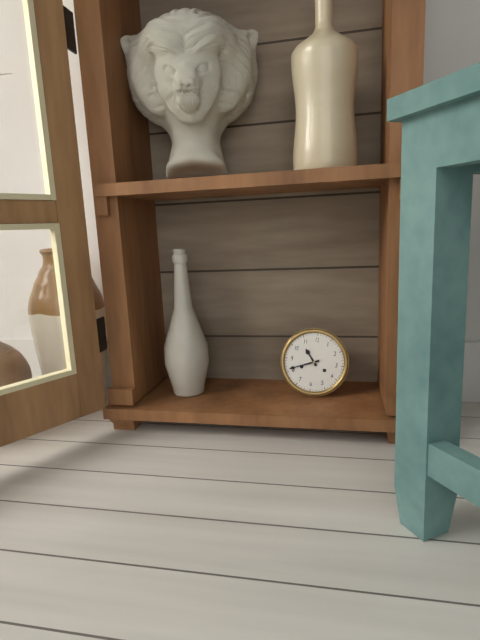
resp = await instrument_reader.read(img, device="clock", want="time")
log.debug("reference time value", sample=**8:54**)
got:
**10:41**
